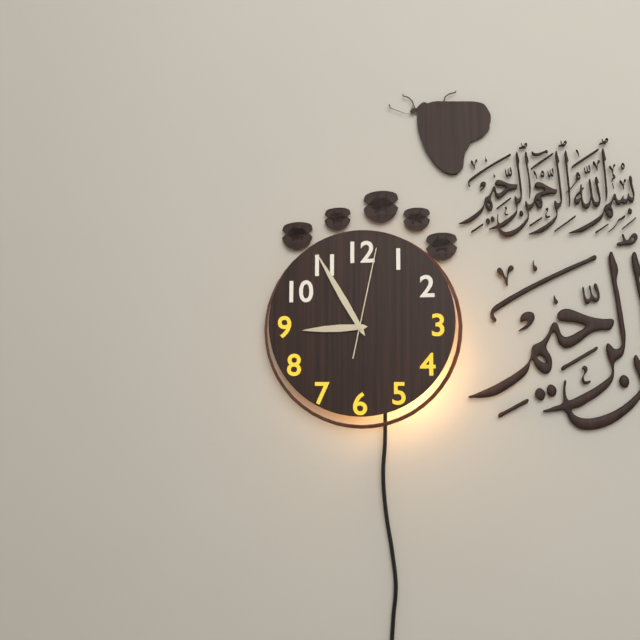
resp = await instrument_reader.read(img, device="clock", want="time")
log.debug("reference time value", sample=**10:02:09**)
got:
**8:55:02**
